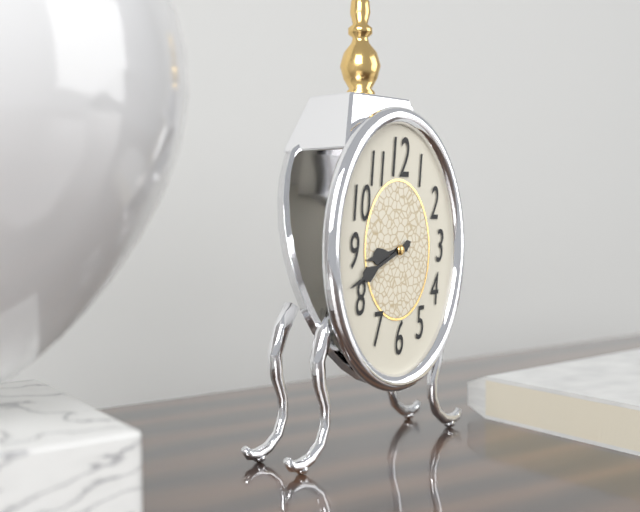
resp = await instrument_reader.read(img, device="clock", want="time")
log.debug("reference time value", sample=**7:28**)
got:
**8:41**
